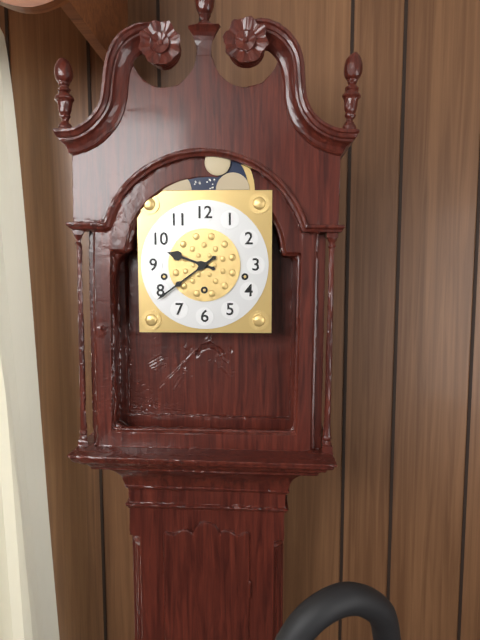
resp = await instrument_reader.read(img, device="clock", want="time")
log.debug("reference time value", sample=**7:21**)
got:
**9:39**
